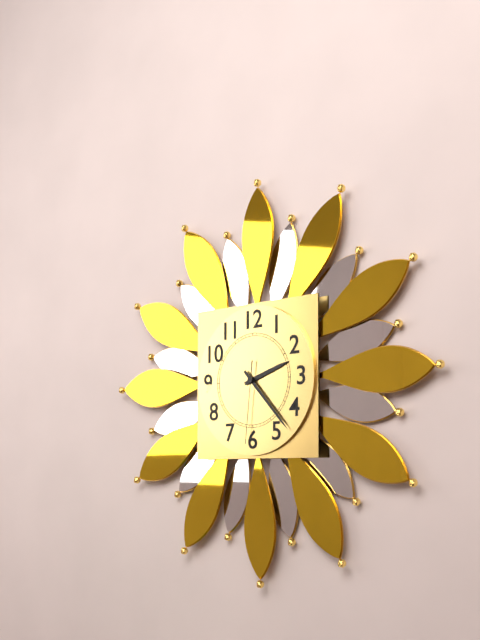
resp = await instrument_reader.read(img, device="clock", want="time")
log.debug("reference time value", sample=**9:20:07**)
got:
**2:23:31**
